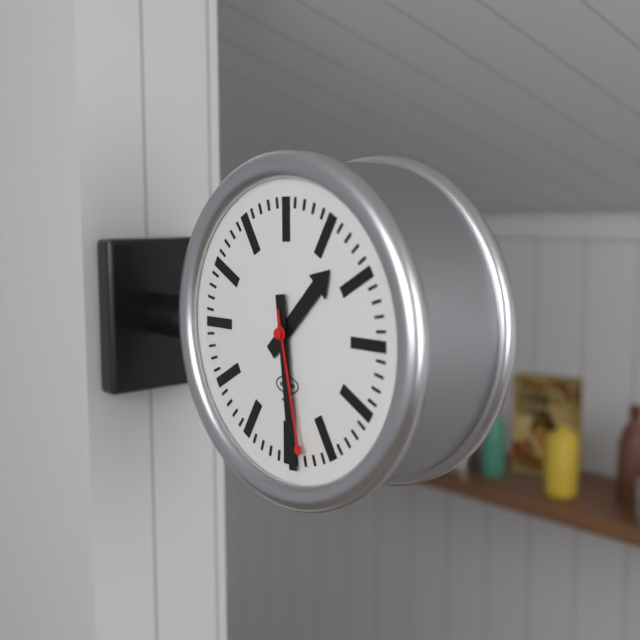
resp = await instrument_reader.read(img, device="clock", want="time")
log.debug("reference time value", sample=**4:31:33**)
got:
**1:29:28**
